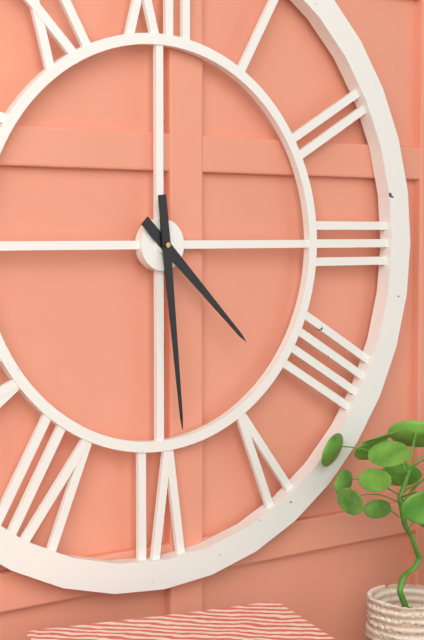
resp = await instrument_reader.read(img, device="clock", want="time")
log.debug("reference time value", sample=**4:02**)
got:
**4:29**
